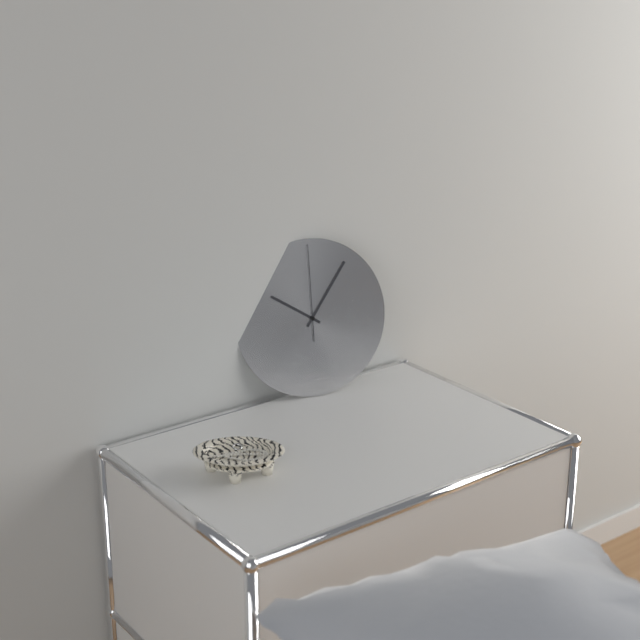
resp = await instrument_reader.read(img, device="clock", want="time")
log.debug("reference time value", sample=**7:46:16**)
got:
**10:06:00**
